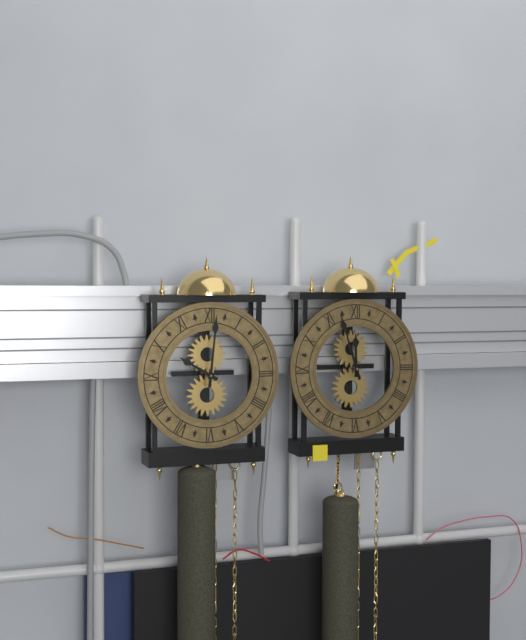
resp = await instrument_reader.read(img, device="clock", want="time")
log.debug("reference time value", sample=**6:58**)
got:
**10:01**
